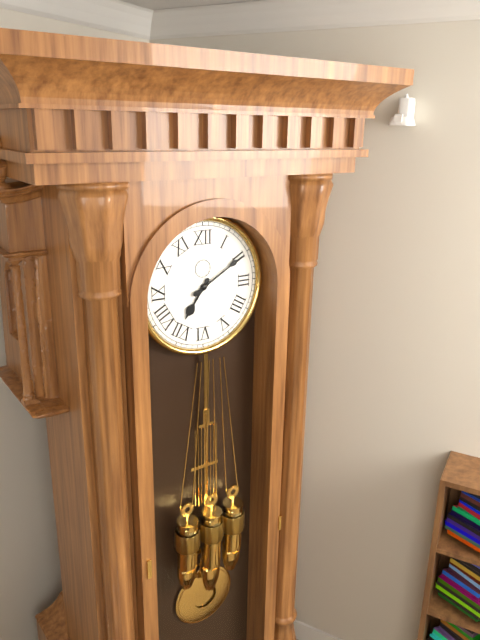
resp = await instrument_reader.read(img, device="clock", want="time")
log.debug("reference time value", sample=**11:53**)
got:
**7:10**
